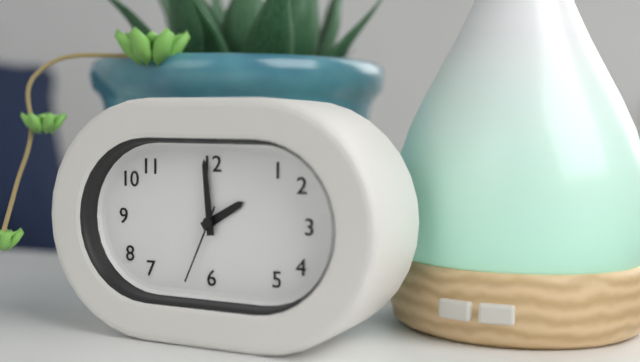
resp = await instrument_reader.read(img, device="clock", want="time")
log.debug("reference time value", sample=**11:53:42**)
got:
**1:59:34**
